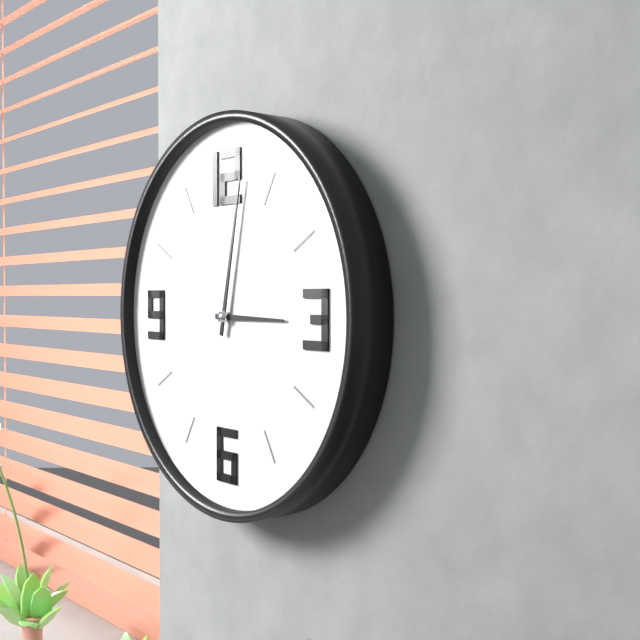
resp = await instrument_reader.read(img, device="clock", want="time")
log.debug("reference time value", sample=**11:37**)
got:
**3:02**
